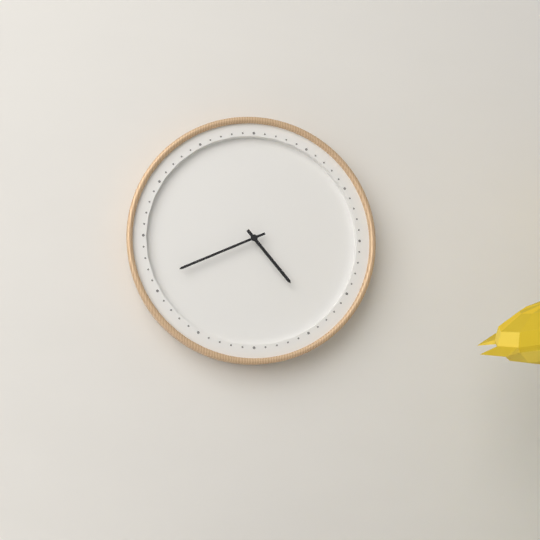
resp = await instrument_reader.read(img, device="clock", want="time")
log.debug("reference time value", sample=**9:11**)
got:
**4:41**
